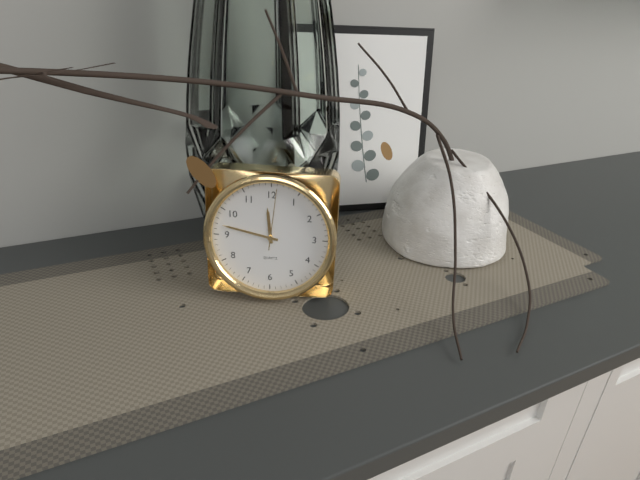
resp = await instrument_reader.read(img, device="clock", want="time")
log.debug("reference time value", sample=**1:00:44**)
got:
**11:47:01**
